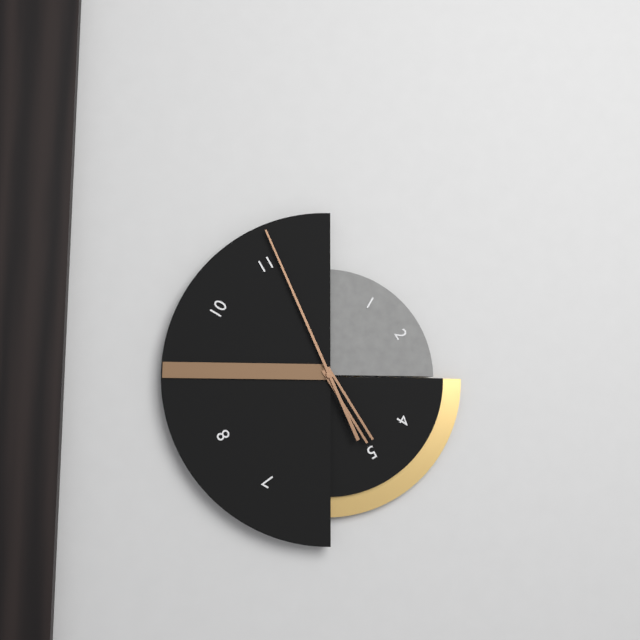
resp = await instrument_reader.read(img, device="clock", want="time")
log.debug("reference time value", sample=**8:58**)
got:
**4:56**
